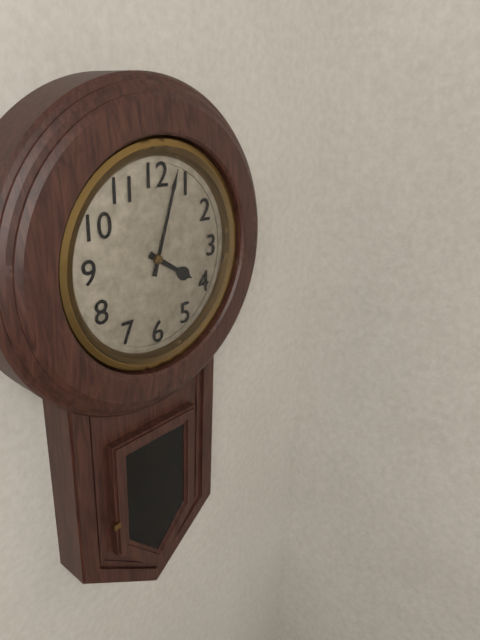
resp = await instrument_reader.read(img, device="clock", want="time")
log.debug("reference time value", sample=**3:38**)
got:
**4:03**
